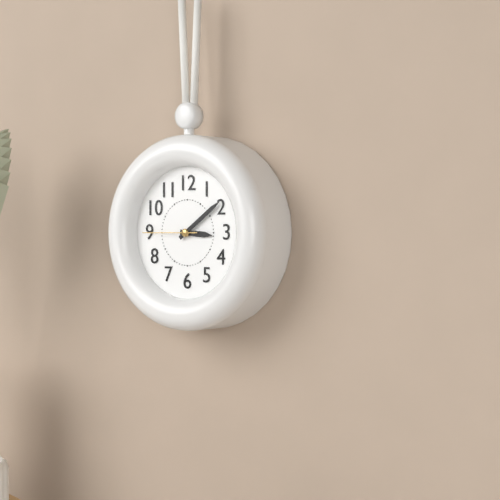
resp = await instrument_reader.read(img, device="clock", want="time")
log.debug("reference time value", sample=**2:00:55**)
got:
**3:09:45**
